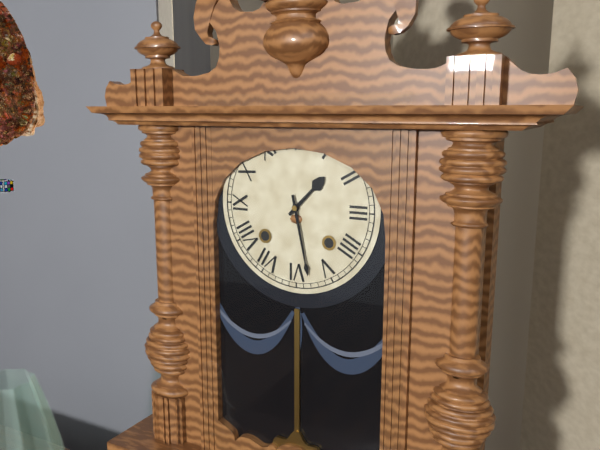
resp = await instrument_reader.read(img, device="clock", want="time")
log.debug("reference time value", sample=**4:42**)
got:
**1:28**
